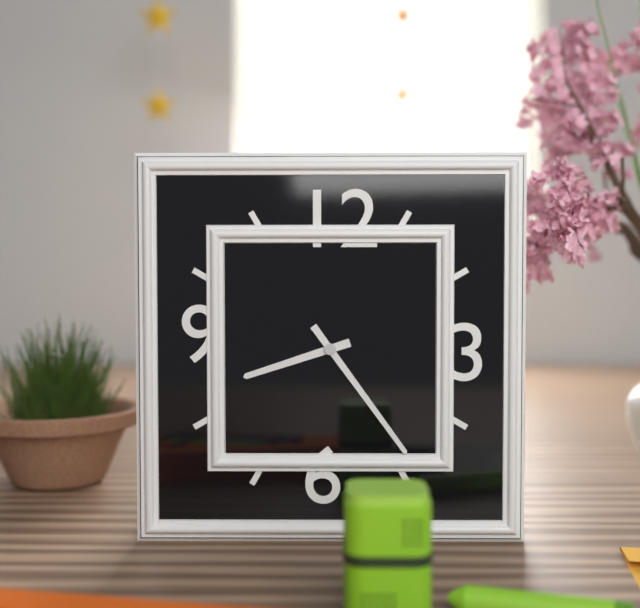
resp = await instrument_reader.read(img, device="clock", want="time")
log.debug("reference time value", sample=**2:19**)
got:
**8:24**
